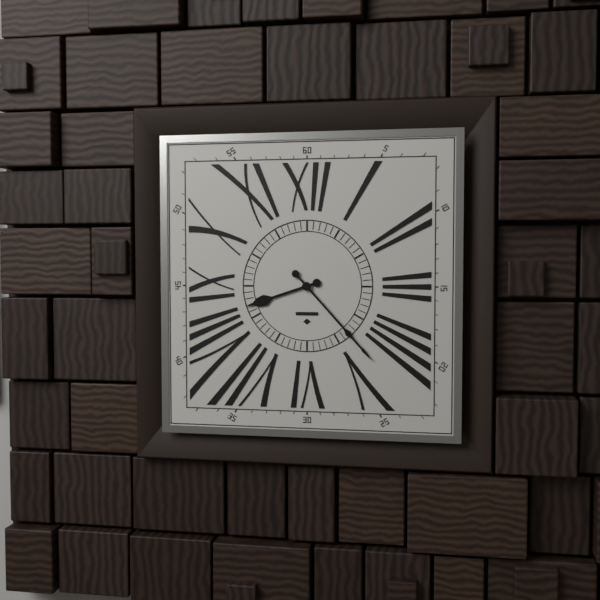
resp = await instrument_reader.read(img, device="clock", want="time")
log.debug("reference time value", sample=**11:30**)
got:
**8:23**
